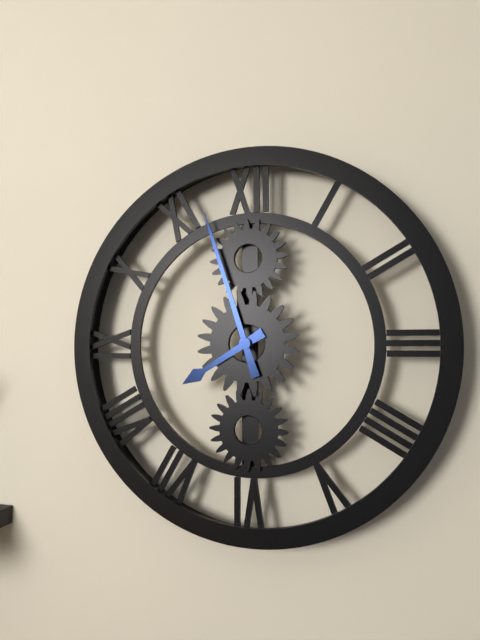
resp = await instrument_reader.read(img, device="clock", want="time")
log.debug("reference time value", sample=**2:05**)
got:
**7:57**
